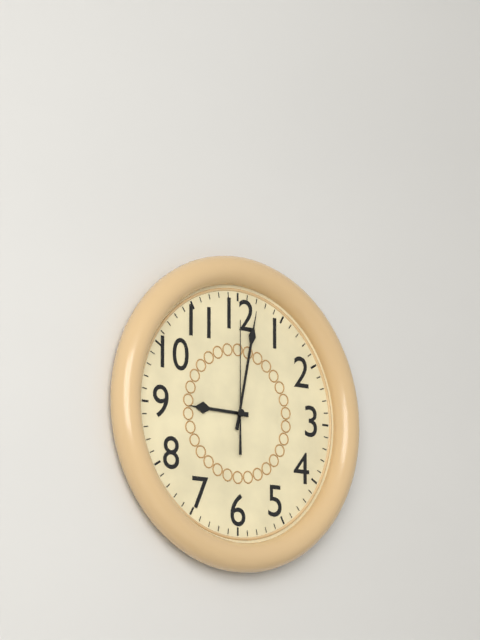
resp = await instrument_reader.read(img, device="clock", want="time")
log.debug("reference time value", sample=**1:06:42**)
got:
**9:02:00**
